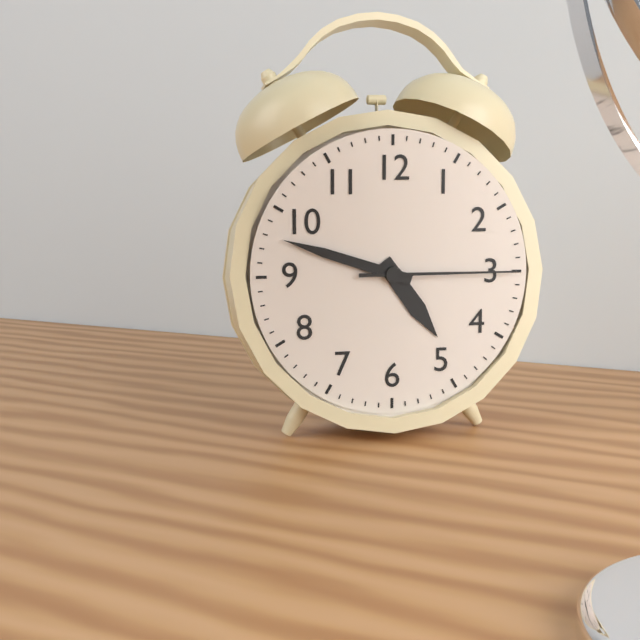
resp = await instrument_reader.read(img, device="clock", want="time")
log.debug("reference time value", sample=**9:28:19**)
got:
**4:48:15**
